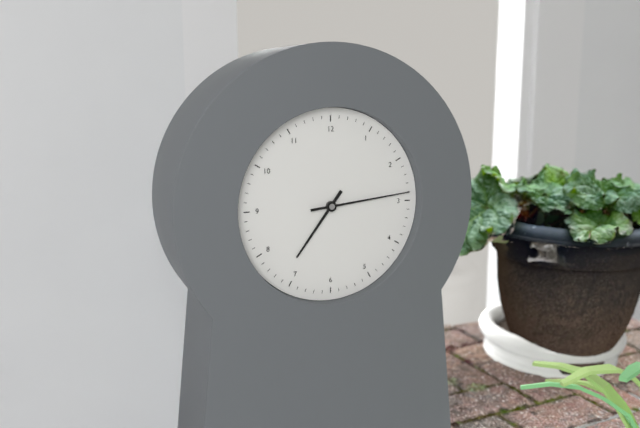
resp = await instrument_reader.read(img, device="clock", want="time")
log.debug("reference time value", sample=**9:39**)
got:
**7:14**
